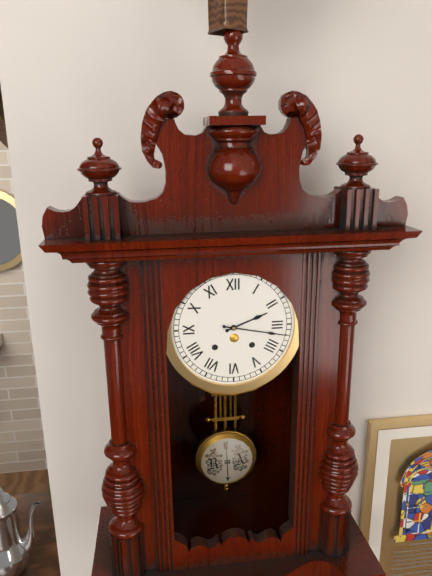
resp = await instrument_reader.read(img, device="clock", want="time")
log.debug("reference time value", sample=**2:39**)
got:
**2:17**
